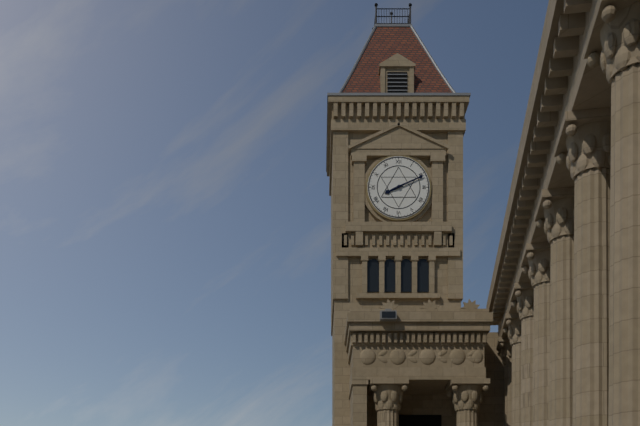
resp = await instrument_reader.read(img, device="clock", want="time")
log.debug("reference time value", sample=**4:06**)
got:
**8:11**
